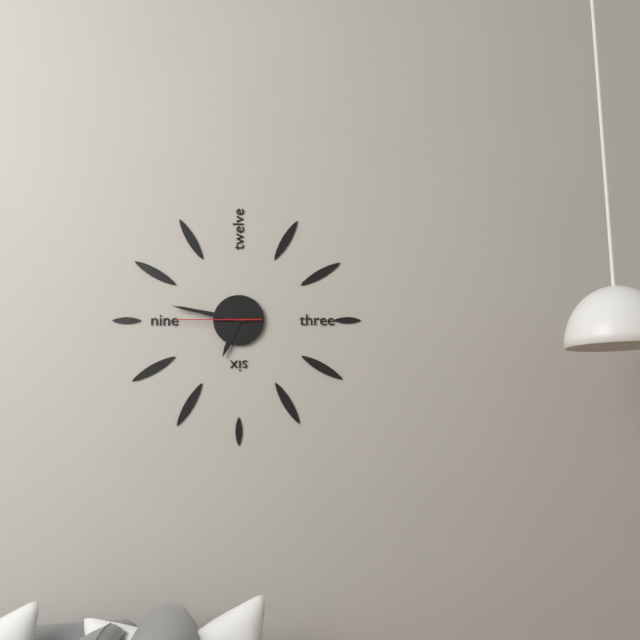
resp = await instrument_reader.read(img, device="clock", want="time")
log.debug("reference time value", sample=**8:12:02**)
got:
**6:47:45**
